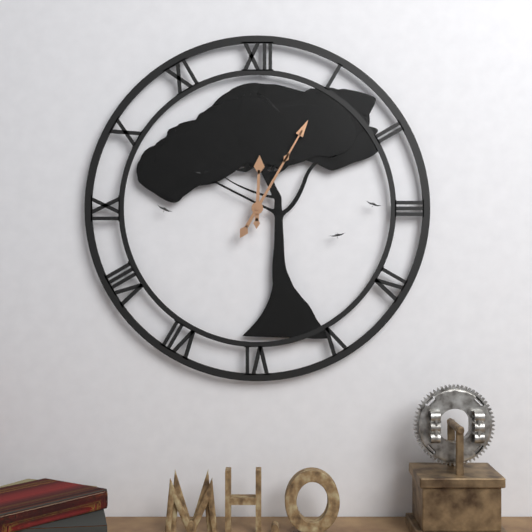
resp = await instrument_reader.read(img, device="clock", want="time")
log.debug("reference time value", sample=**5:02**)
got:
**12:05**
